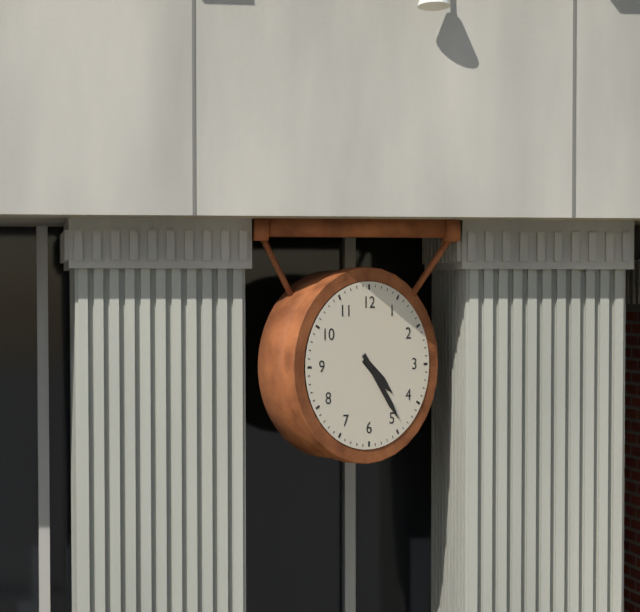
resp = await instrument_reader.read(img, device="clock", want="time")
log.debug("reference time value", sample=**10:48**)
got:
**4:24**
